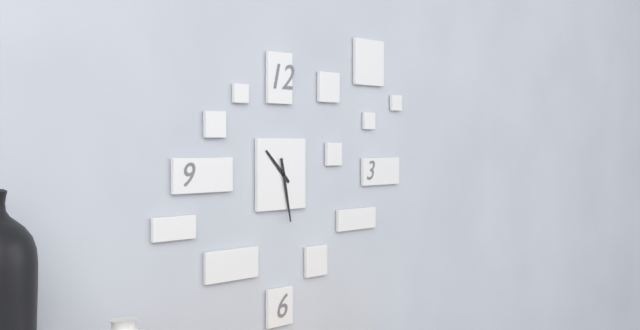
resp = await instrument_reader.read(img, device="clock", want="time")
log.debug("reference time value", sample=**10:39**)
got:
**10:28**
